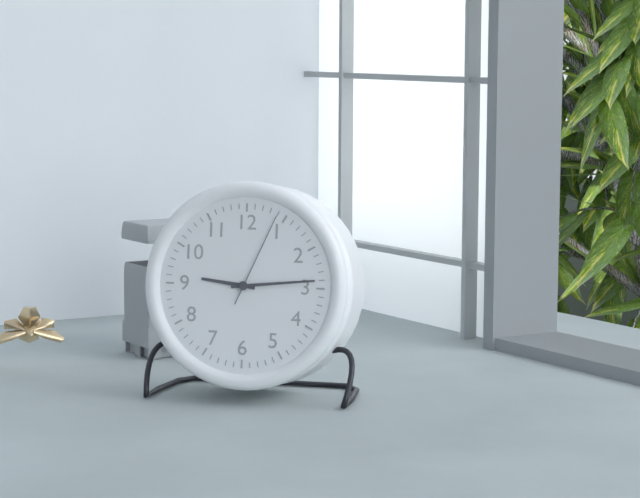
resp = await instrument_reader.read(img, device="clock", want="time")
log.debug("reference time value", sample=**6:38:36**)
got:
**9:14:04**
